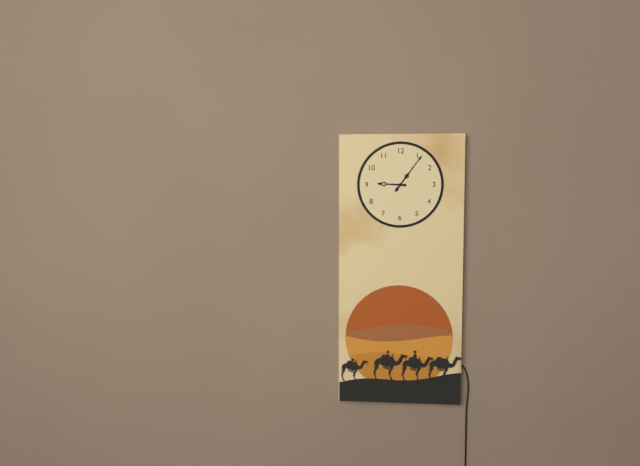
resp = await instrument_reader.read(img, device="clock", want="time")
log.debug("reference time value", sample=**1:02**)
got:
**9:06**
